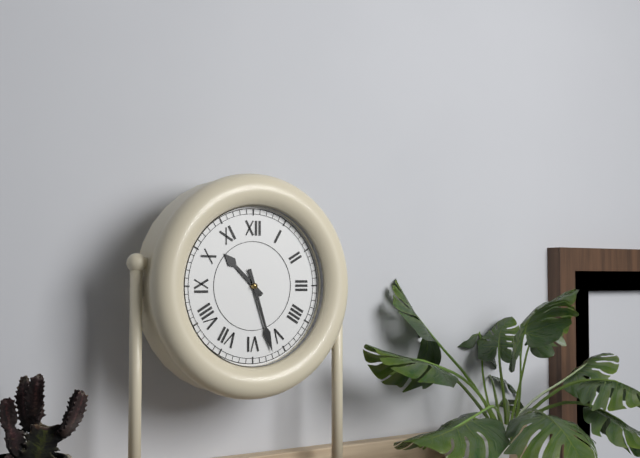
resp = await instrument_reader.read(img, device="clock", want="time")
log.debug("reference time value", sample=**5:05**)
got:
**10:27**
